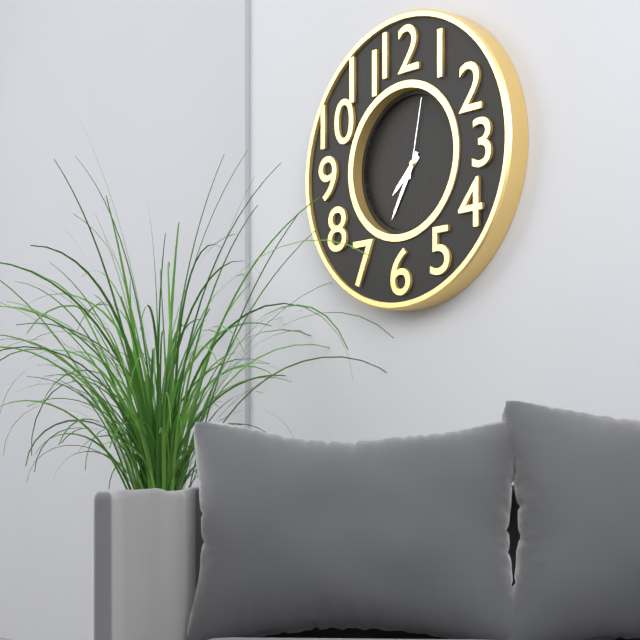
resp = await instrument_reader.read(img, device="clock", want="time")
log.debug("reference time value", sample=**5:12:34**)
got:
**7:35:02**
